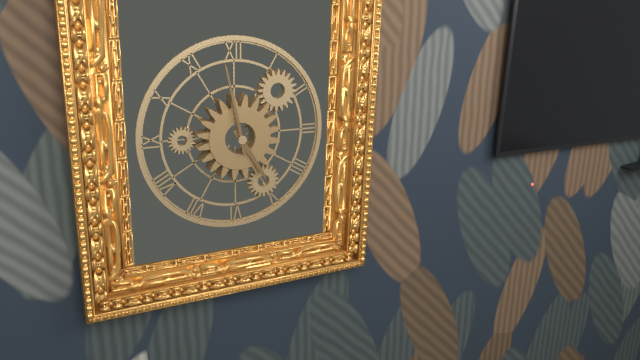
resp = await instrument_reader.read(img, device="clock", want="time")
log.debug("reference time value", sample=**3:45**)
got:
**4:58**
